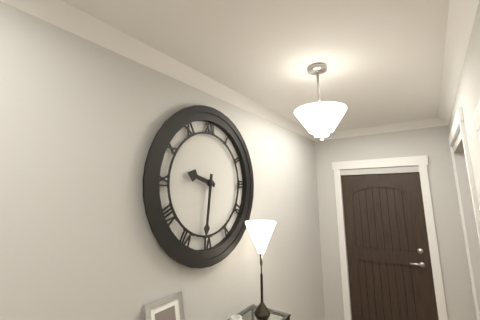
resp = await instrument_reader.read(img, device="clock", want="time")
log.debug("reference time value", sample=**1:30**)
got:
**9:31**
